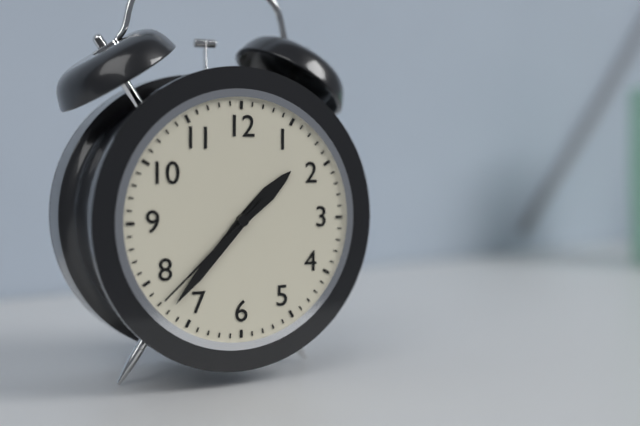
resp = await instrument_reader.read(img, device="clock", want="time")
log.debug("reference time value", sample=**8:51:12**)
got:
**1:37:38**
